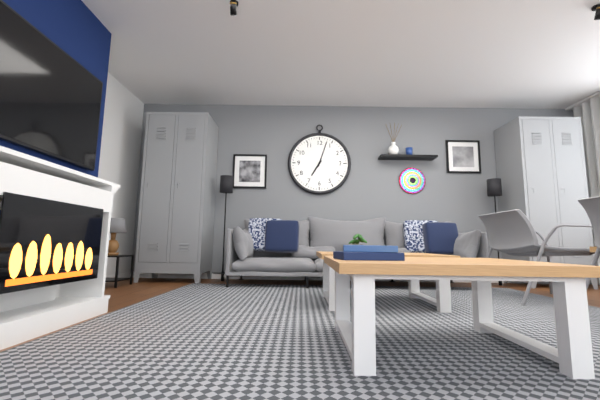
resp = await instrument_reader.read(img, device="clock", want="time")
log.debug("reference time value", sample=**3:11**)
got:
**7:03**
